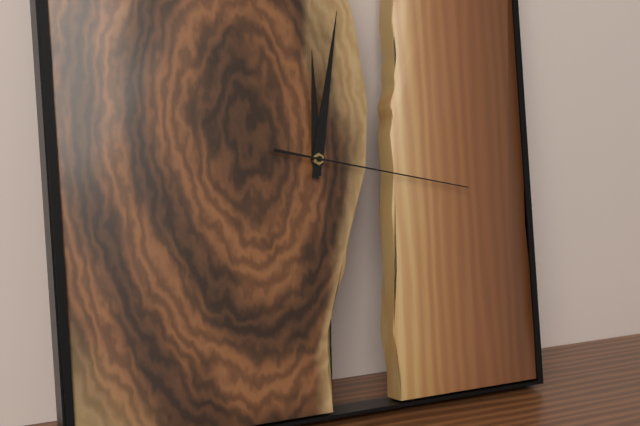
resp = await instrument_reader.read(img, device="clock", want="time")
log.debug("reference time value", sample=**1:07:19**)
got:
**12:02:17**
